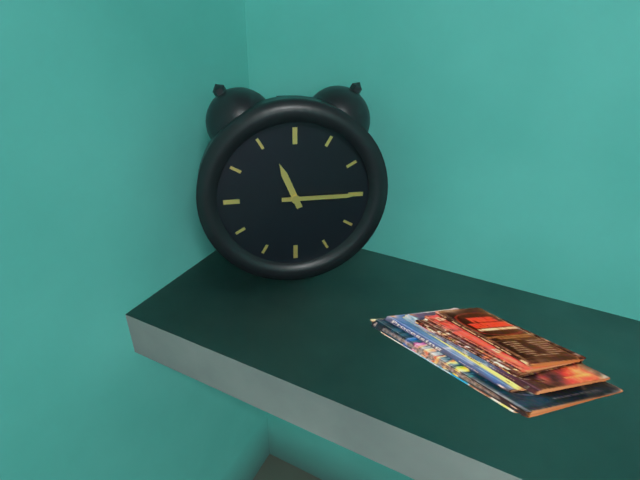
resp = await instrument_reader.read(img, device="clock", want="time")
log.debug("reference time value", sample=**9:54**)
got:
**11:15**
